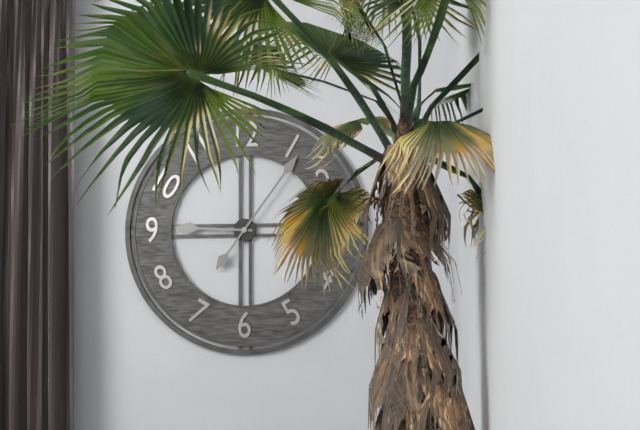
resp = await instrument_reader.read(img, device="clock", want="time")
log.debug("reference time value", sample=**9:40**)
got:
**9:06**
